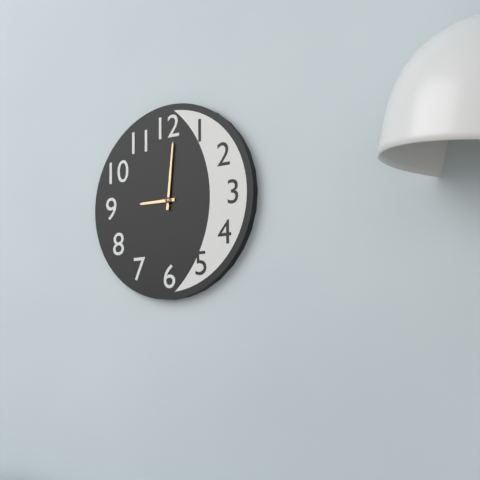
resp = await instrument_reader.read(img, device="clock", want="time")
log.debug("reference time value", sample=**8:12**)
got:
**9:01**
